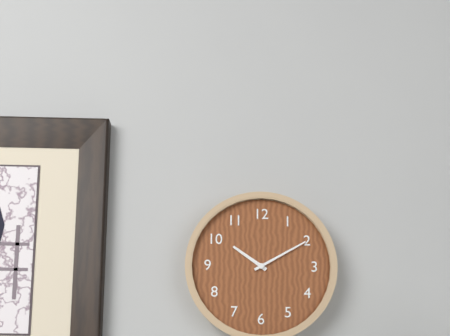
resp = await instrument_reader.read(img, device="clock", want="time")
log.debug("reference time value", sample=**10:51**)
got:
**10:10**
